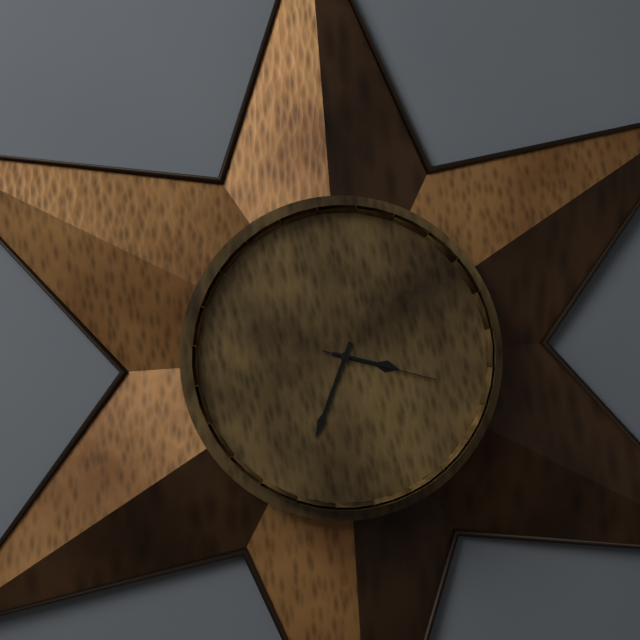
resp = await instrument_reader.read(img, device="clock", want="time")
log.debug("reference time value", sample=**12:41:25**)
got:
**3:34:18**
